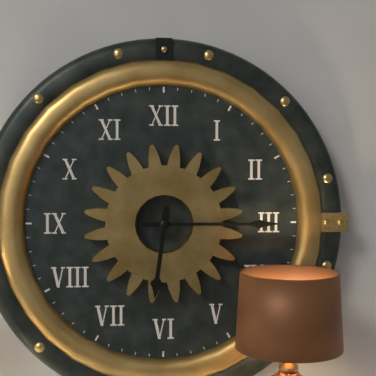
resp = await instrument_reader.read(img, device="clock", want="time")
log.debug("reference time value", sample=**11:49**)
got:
**6:15**
